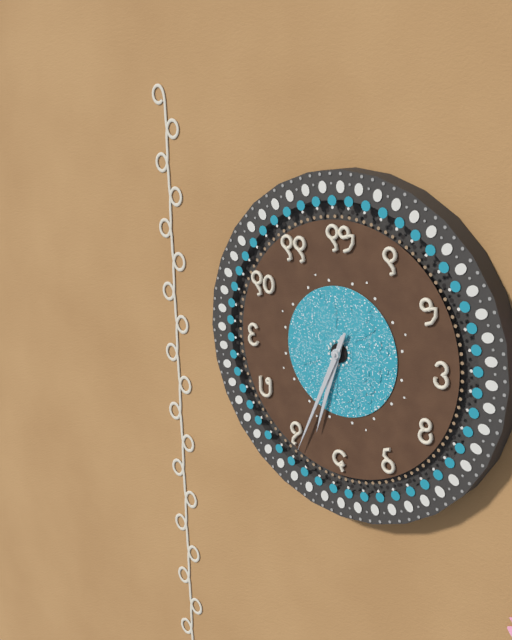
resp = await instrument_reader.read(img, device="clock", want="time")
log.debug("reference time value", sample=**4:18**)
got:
**6:34**
